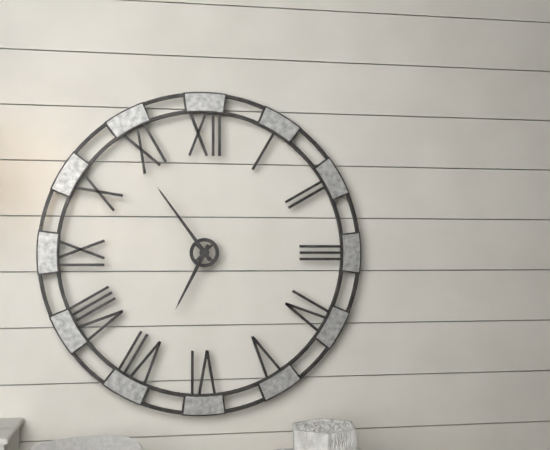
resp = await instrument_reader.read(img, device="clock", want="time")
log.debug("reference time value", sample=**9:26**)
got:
**6:54**
